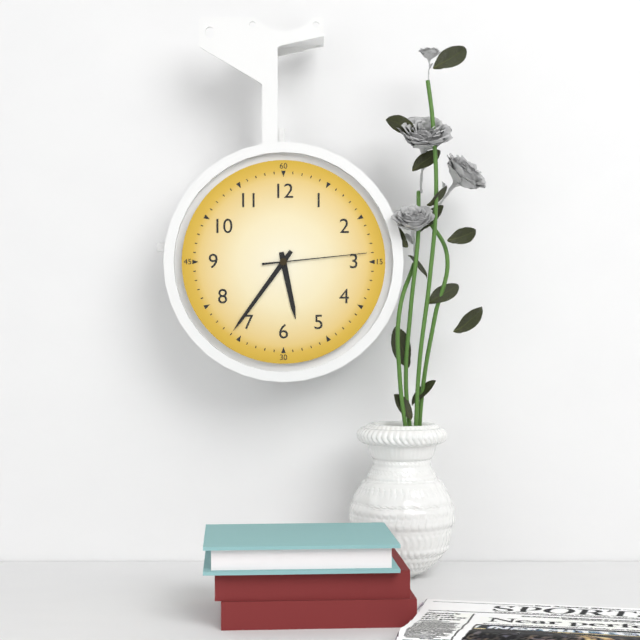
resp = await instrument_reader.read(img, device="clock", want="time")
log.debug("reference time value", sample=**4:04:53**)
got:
**5:36:14**
